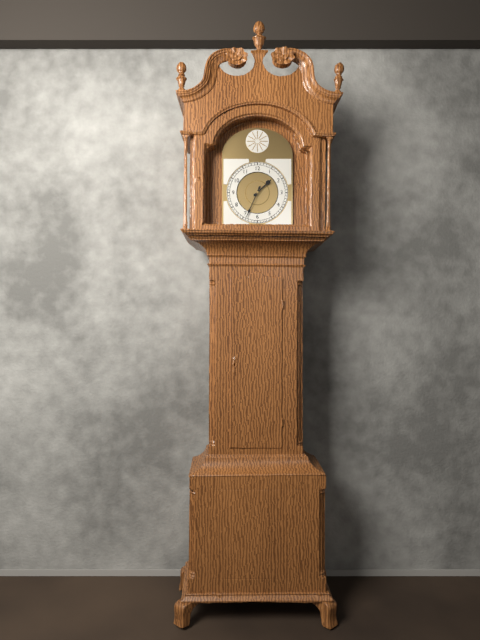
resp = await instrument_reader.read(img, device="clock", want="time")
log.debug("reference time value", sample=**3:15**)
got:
**1:34**
